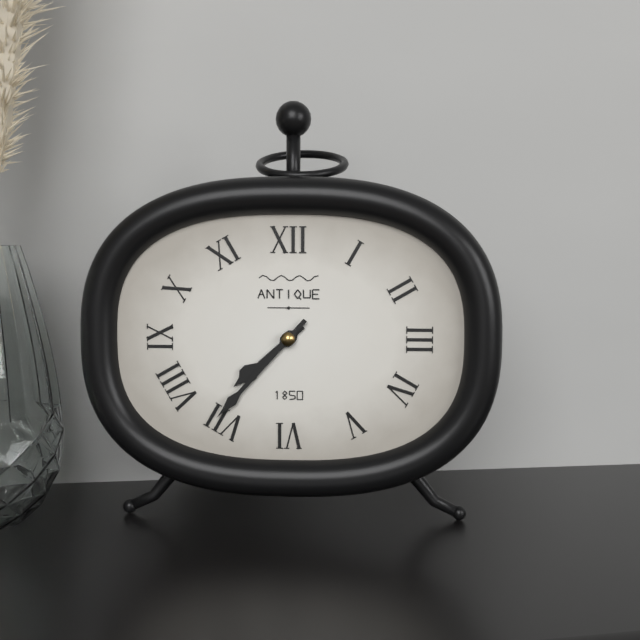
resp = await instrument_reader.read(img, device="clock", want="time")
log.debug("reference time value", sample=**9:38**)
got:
**7:37**
